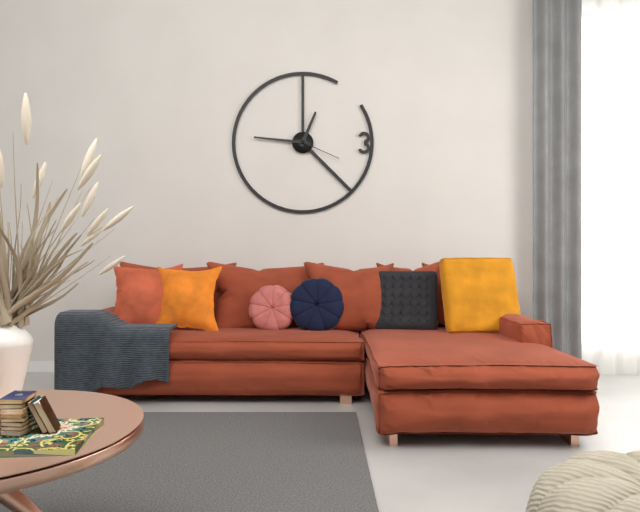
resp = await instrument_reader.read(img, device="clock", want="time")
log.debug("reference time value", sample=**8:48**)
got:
**12:46**
